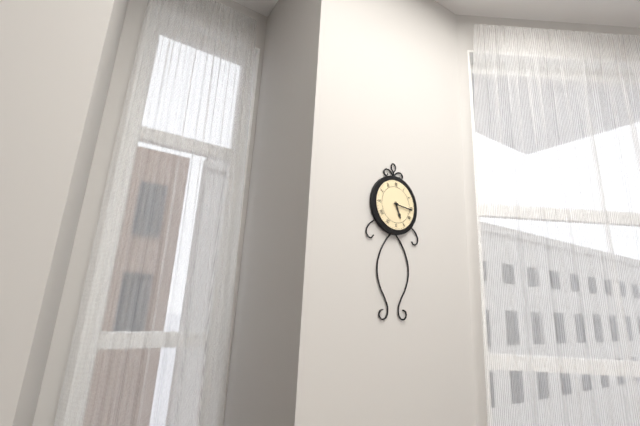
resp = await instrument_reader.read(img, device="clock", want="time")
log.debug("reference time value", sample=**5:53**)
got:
**5:16**
